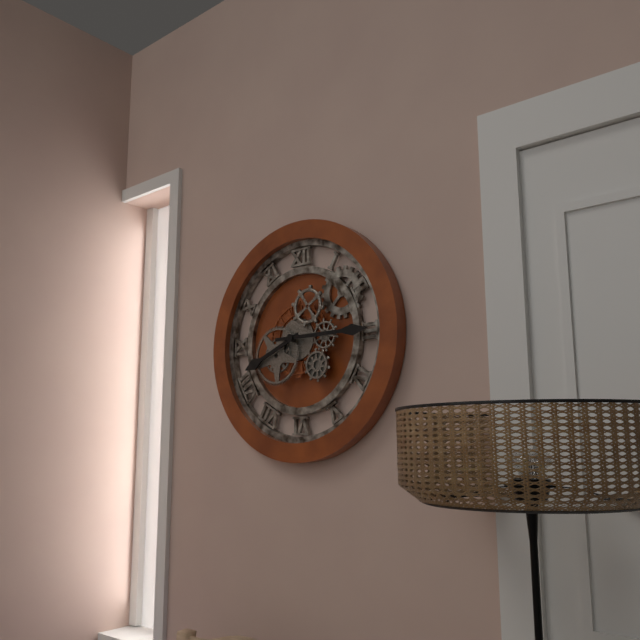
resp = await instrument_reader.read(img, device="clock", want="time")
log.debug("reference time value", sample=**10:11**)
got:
**8:15**
